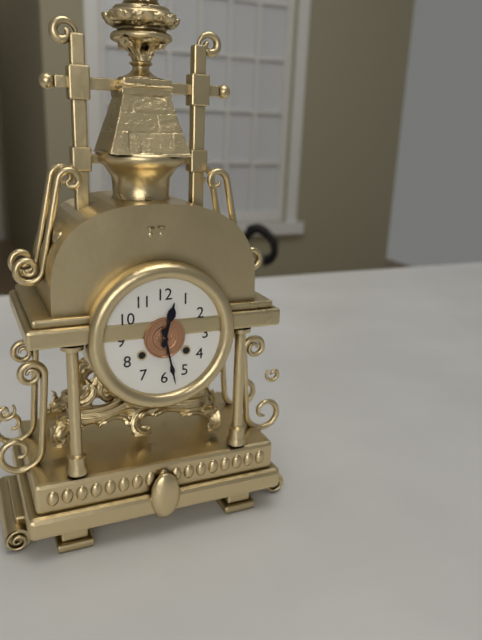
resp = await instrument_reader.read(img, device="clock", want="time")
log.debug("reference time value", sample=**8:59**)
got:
**12:28**
